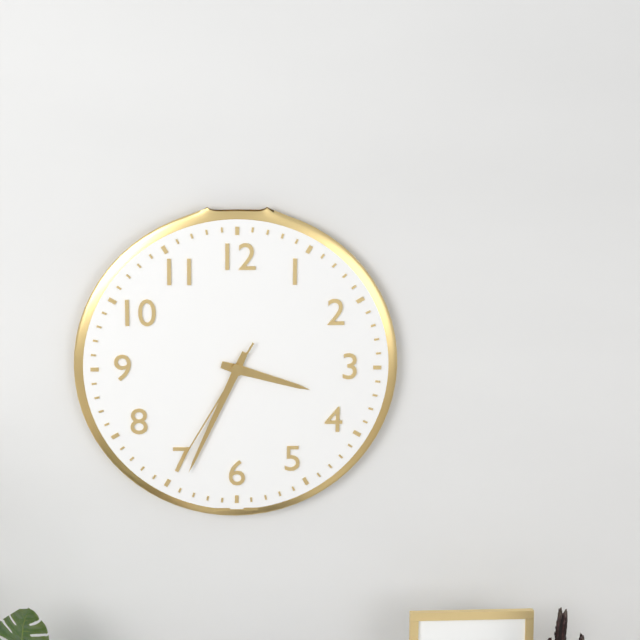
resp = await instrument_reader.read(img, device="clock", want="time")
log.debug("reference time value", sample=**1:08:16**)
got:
**3:34:35**
